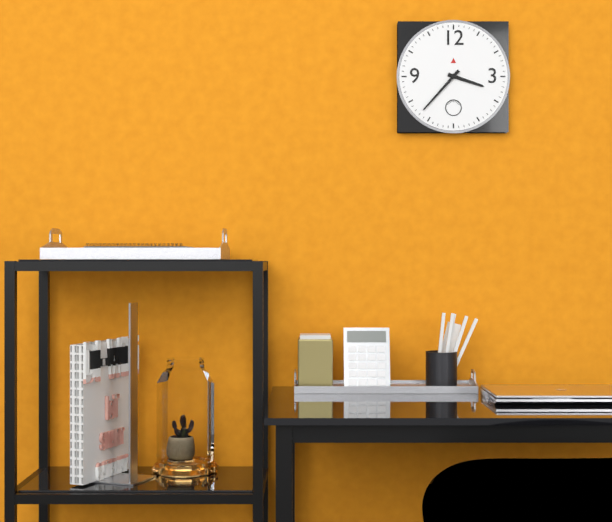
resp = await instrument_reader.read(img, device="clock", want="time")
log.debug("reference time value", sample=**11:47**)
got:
**3:37**
